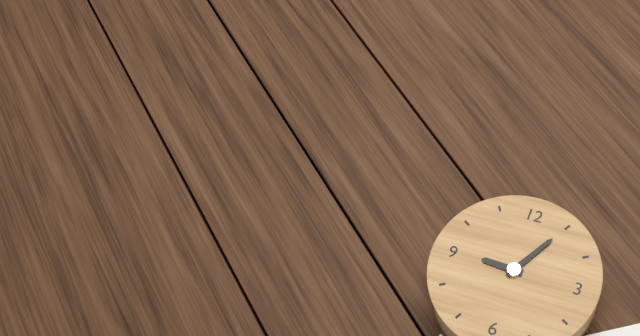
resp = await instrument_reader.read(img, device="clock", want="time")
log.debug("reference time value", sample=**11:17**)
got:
**9:05**
